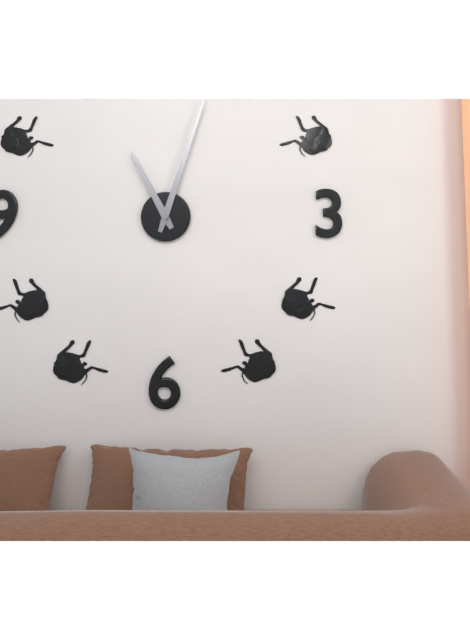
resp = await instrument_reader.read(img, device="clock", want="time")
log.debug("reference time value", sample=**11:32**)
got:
**11:03**
